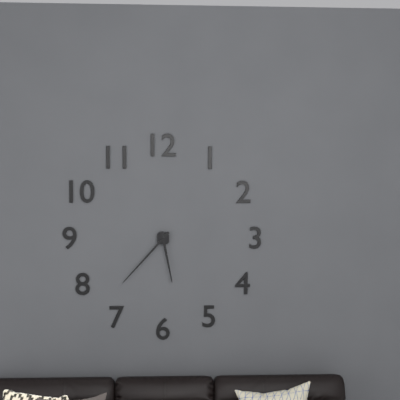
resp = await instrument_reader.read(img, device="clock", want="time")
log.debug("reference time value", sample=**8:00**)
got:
**5:37**
